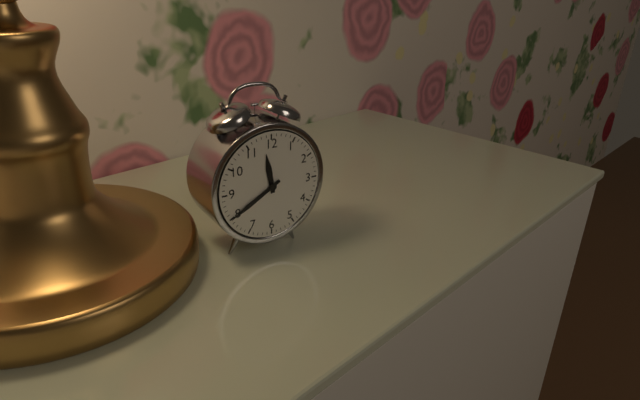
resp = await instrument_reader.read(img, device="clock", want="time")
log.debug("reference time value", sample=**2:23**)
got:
**11:40**
